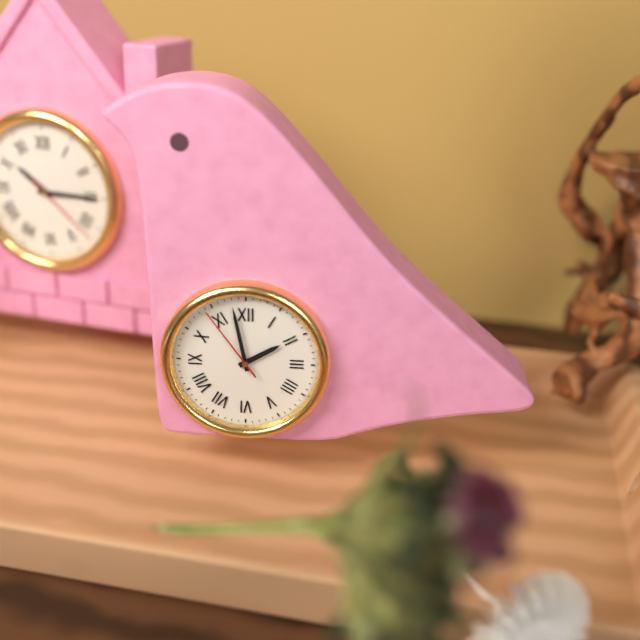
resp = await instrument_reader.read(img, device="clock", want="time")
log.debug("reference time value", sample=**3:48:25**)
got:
**1:58:54**
